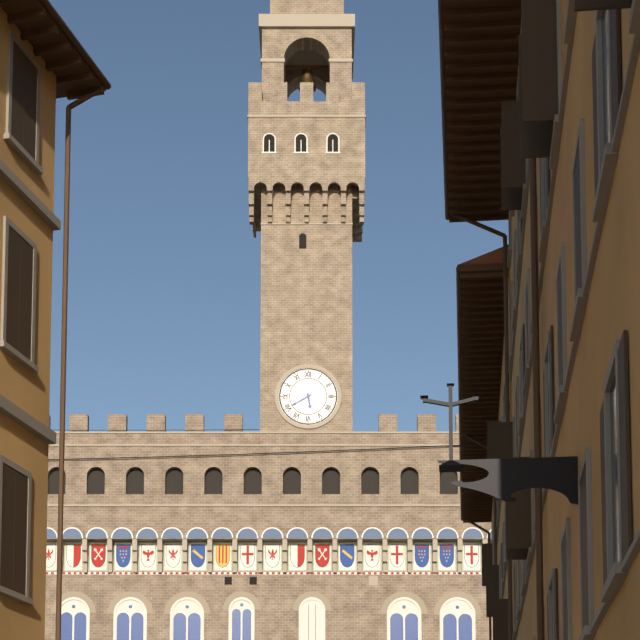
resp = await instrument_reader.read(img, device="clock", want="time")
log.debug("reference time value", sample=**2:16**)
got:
**5:40**
